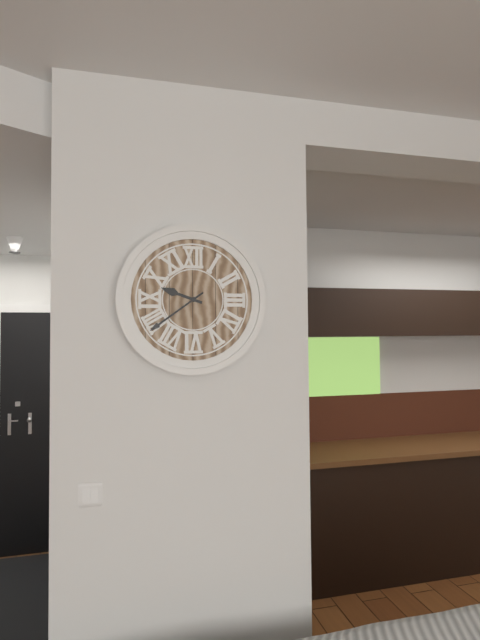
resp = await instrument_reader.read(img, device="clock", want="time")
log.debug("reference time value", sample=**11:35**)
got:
**9:39**
